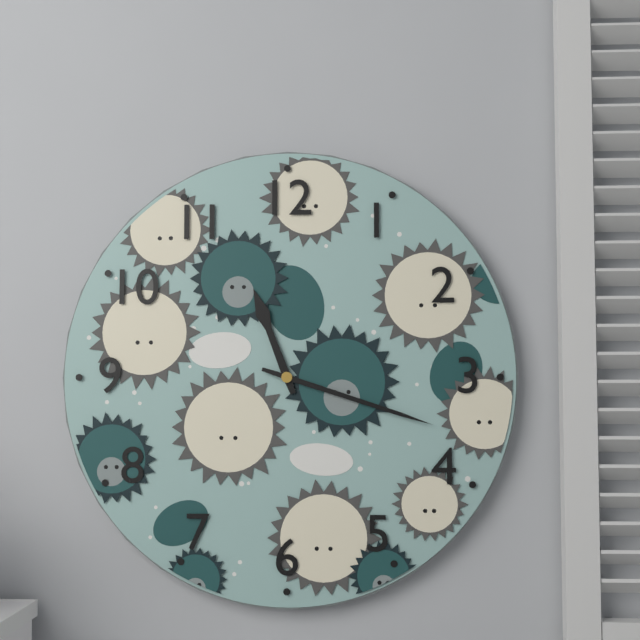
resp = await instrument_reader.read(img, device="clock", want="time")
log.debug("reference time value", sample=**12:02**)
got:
**11:18**
